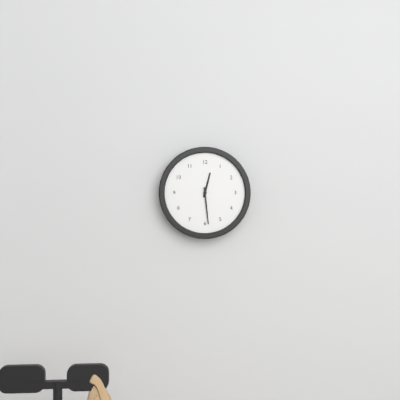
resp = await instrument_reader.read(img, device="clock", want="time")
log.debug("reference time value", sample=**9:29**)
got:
**12:29**
